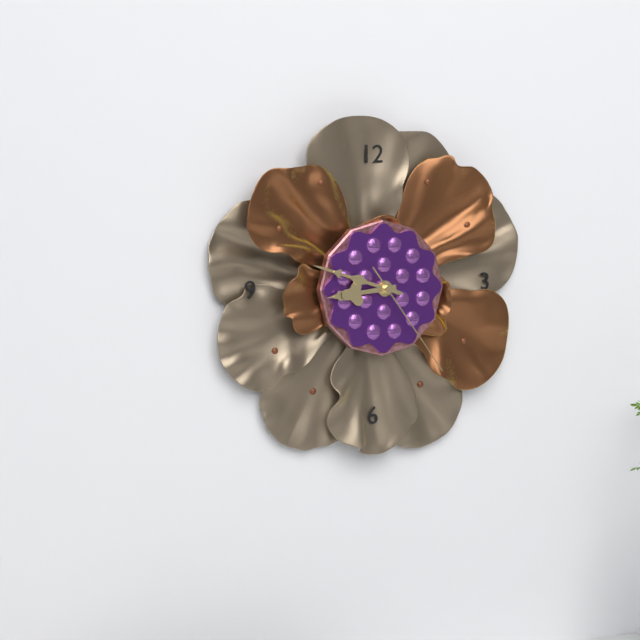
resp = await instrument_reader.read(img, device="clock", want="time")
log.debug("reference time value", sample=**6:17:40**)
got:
**8:48:24**
